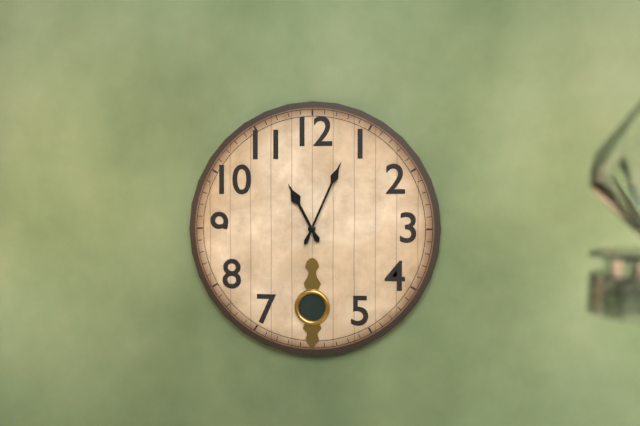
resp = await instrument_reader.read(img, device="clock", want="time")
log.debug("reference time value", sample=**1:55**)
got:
**11:04**
